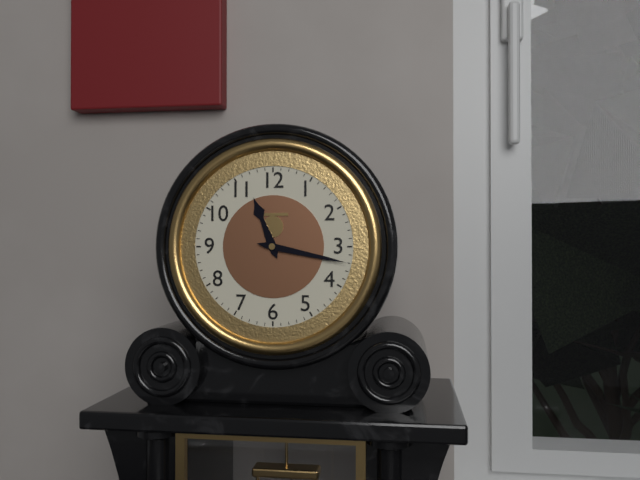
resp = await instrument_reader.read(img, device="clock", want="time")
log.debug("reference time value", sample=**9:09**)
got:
**11:17**
